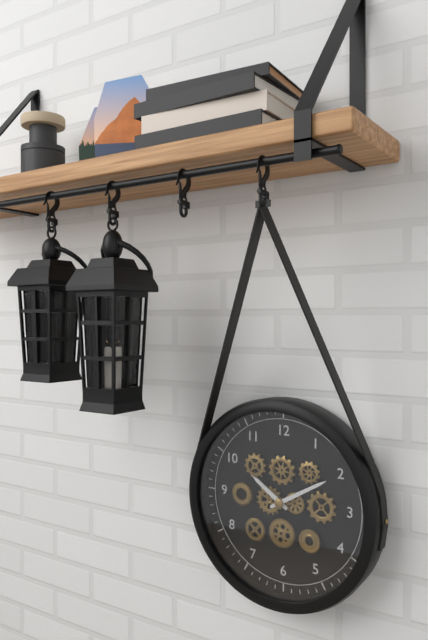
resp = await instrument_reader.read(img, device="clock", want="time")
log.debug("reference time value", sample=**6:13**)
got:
**10:10**
